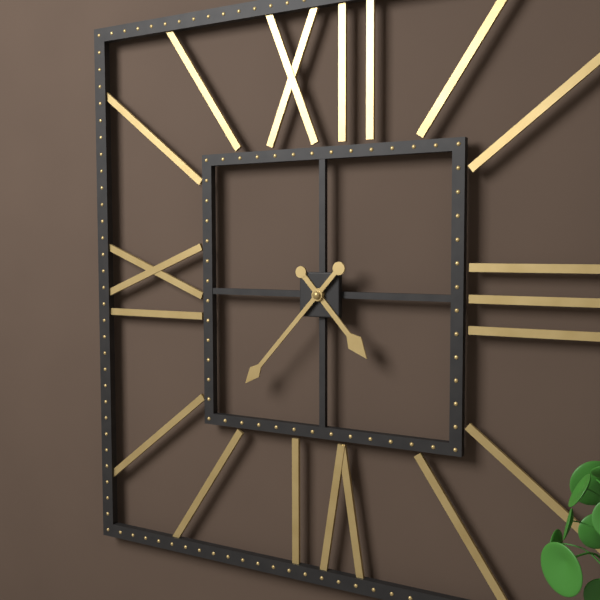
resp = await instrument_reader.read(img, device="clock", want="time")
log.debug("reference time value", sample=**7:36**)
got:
**4:37**
